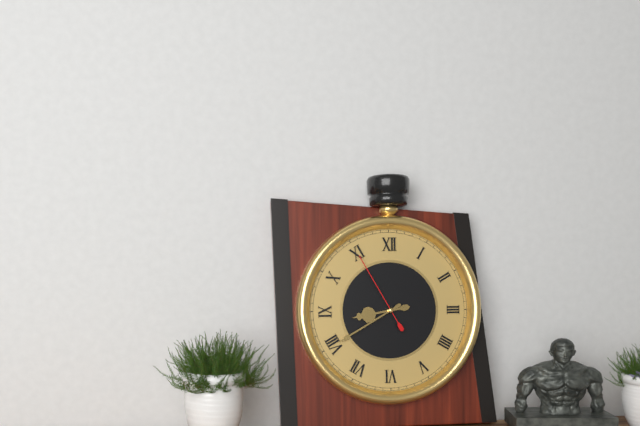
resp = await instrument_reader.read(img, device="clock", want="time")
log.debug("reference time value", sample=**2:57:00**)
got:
**8:40:55**
